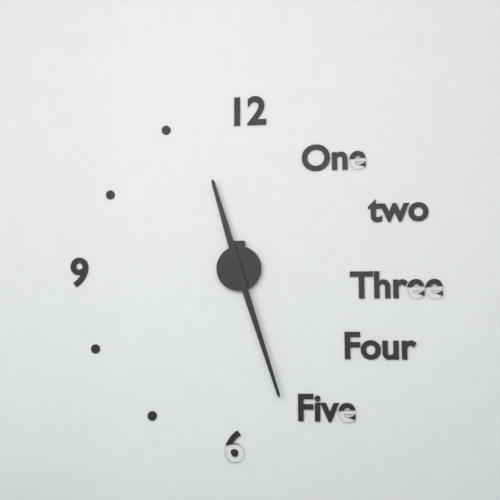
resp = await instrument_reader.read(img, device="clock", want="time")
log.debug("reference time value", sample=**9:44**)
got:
**11:27**
